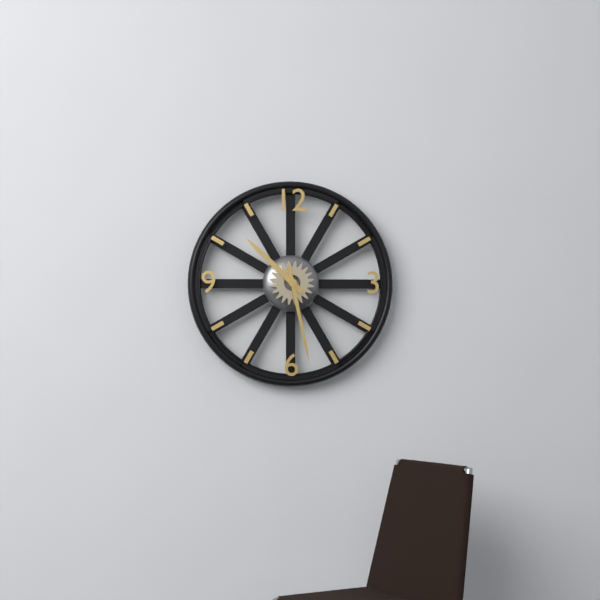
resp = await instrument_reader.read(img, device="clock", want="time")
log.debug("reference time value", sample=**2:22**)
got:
**10:28**
